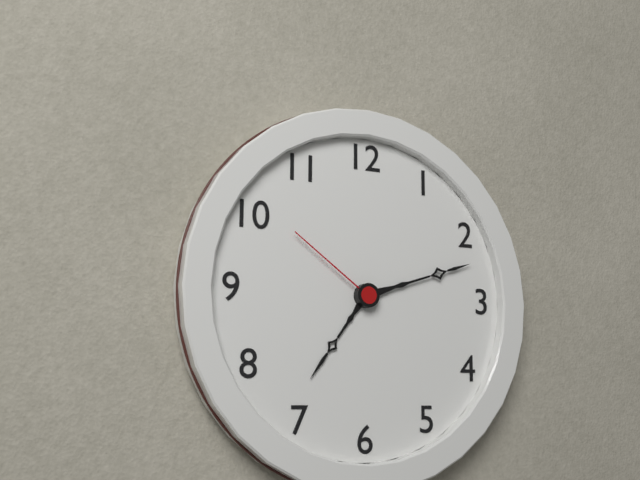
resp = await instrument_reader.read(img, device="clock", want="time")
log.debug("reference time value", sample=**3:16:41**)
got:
**7:12:51**
